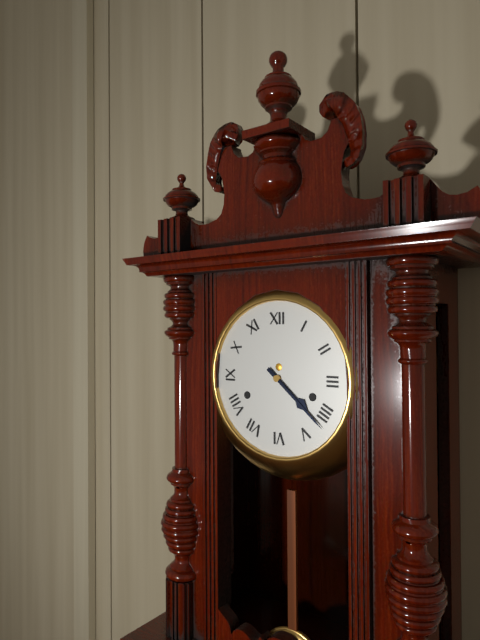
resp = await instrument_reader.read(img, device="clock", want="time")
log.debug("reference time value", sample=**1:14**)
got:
**4:22**
